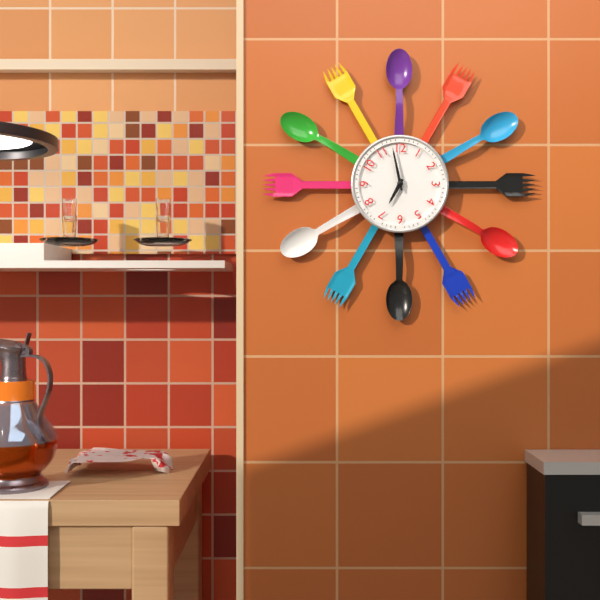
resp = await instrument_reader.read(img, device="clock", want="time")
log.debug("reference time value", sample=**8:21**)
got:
**6:58**
